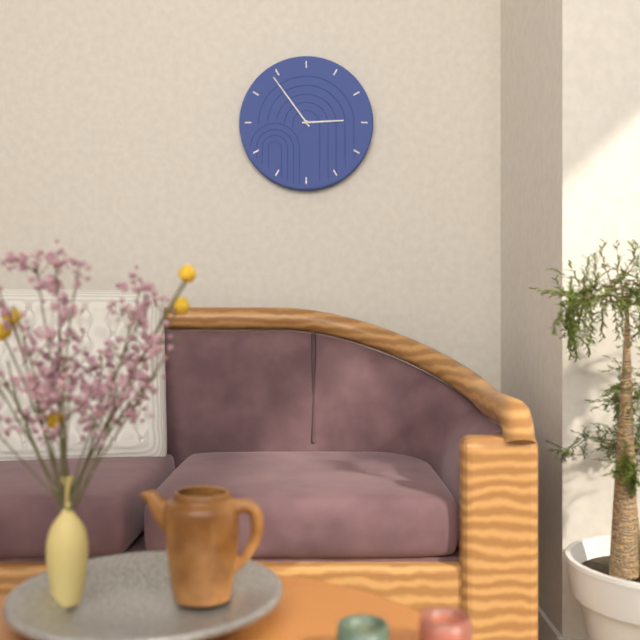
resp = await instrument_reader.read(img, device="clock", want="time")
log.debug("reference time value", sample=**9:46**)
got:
**2:54**
